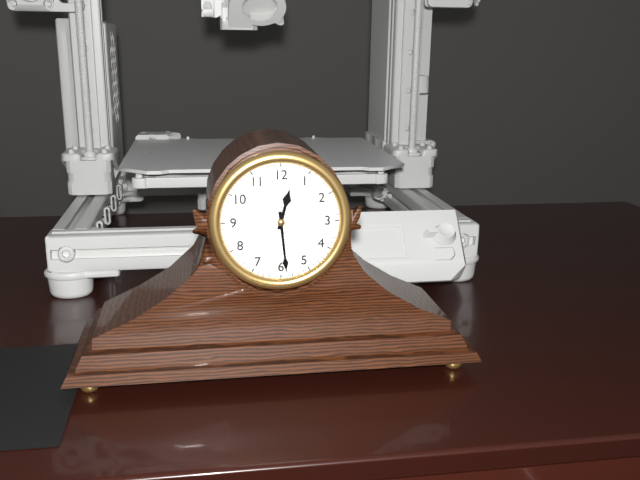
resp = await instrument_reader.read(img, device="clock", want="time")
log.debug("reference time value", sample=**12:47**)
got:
**12:29**
